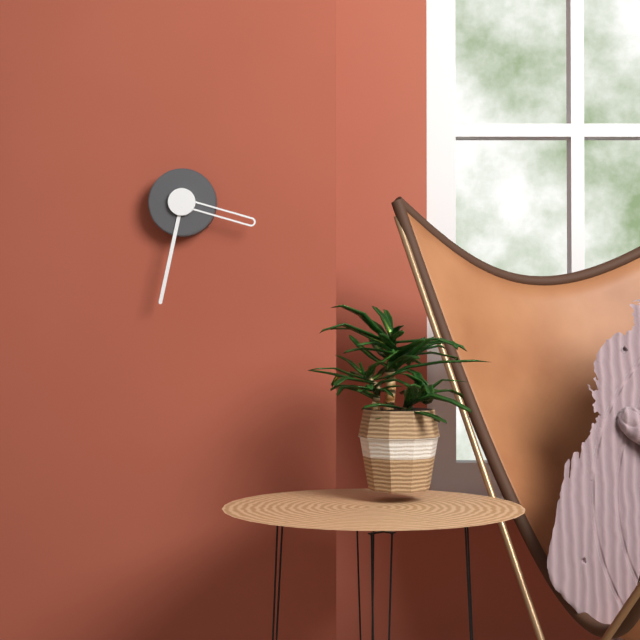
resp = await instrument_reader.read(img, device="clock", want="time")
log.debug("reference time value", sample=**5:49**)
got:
**3:32**
